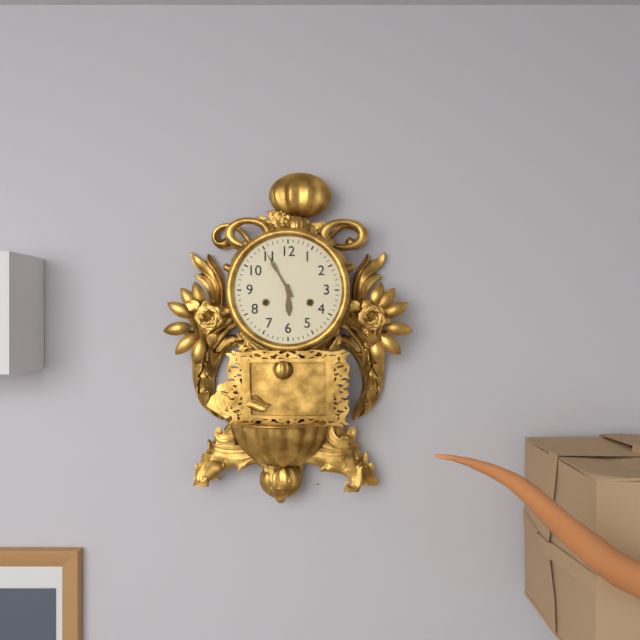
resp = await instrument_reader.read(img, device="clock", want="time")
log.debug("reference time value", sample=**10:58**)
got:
**5:55**
